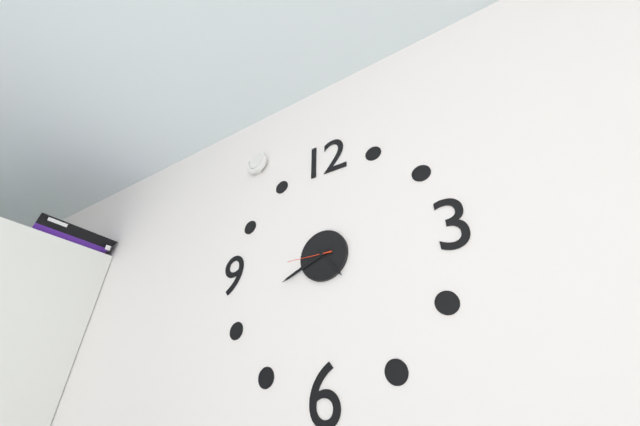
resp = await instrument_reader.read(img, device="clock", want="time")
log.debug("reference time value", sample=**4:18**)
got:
**4:41**
